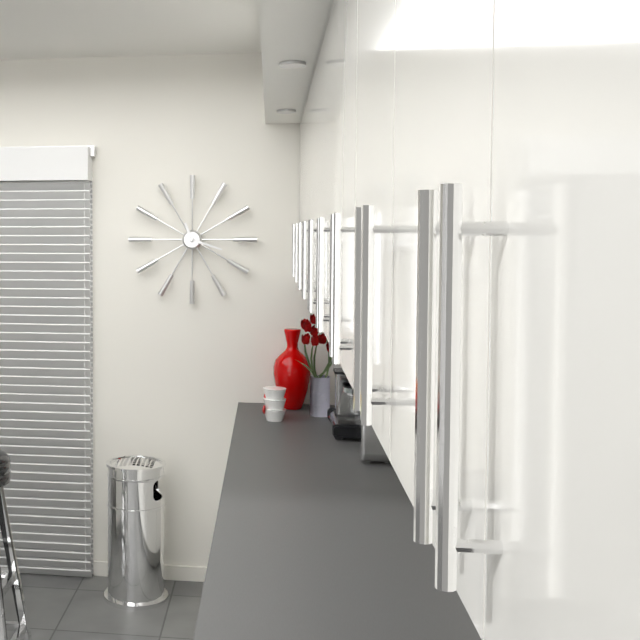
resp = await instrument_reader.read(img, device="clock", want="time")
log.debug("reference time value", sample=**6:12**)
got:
**11:18**
